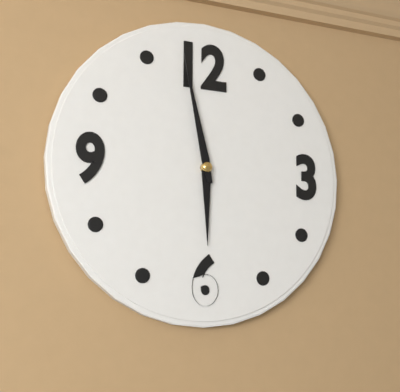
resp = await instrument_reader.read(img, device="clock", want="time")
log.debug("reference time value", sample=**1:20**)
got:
**5:58**
